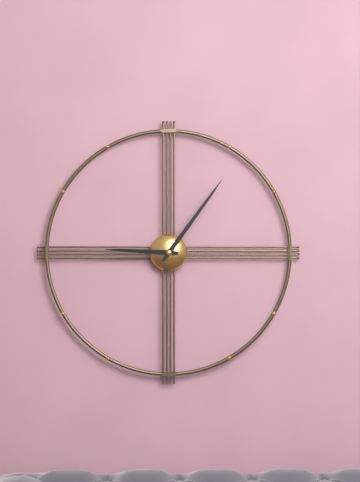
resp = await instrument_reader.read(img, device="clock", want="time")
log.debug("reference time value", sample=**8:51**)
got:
**9:06**
